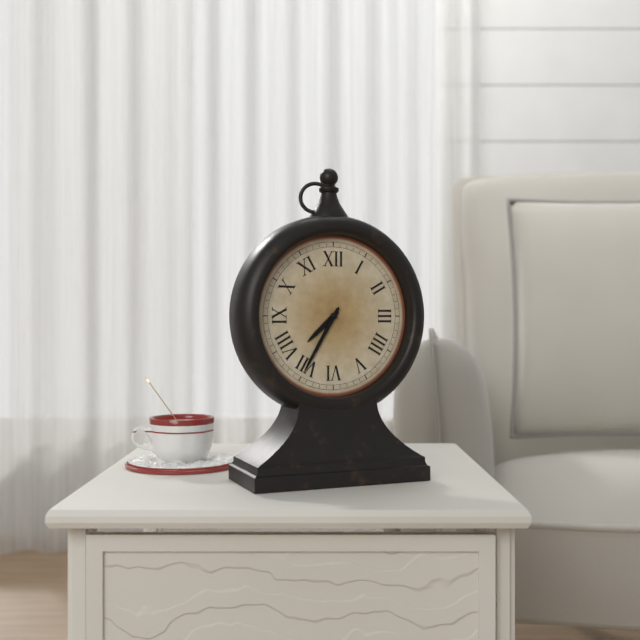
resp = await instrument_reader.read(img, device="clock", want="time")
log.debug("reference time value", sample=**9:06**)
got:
**7:35**
